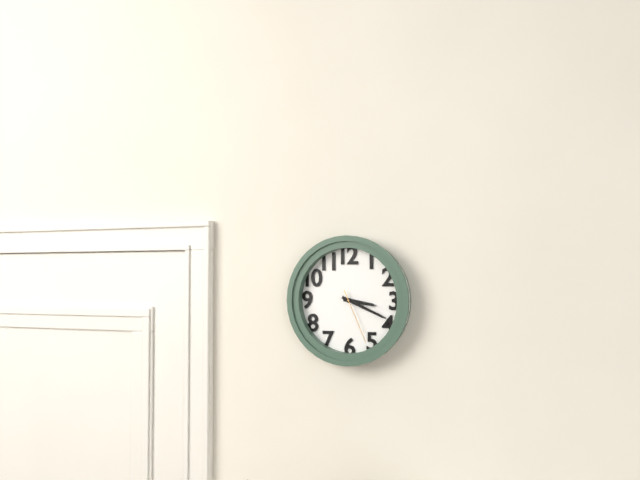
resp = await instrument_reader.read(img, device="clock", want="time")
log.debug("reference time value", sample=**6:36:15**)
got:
**3:19:26**
